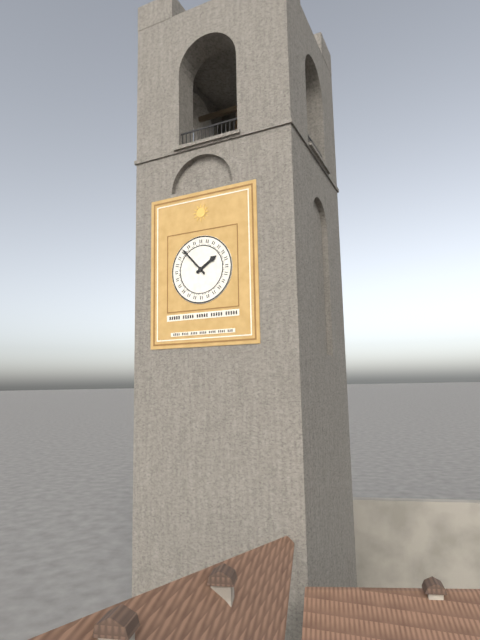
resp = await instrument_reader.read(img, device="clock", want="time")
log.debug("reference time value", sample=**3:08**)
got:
**1:53**
